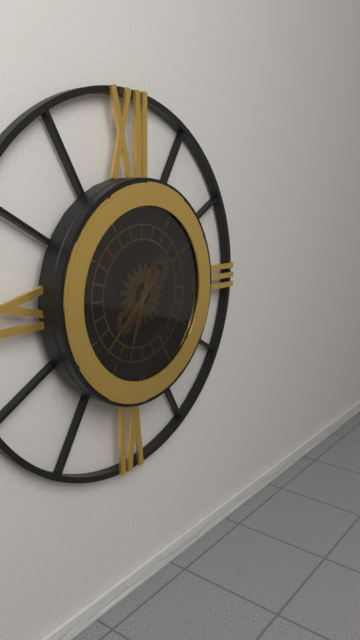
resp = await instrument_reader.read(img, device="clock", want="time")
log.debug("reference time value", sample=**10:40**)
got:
**6:38**
